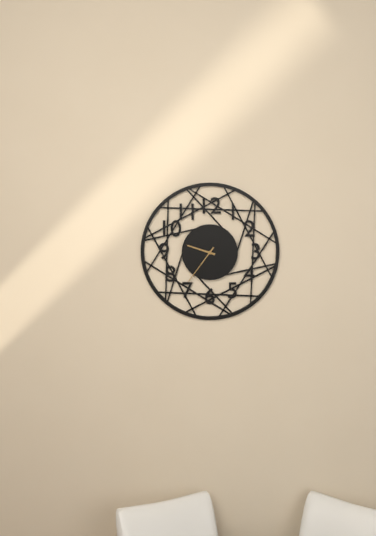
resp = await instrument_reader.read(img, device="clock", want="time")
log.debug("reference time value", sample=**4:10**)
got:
**9:36**
